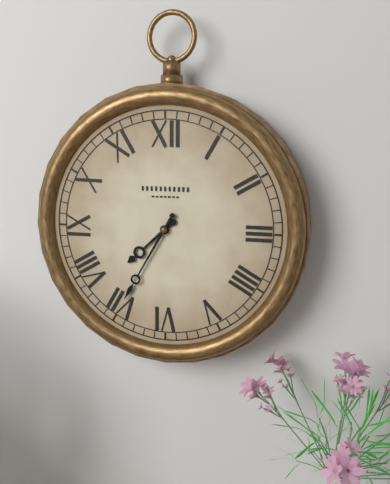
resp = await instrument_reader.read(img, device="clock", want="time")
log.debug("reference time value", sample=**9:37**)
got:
**7:35**
